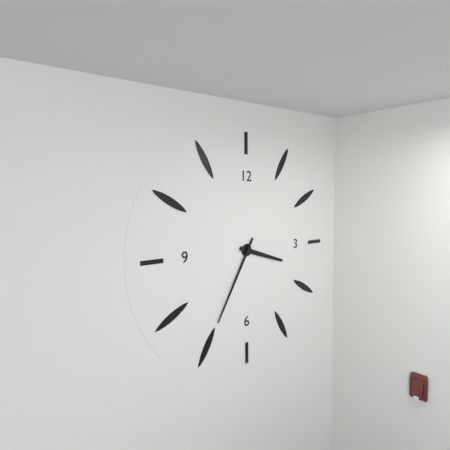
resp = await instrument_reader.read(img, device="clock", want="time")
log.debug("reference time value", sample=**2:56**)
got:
**3:35**
